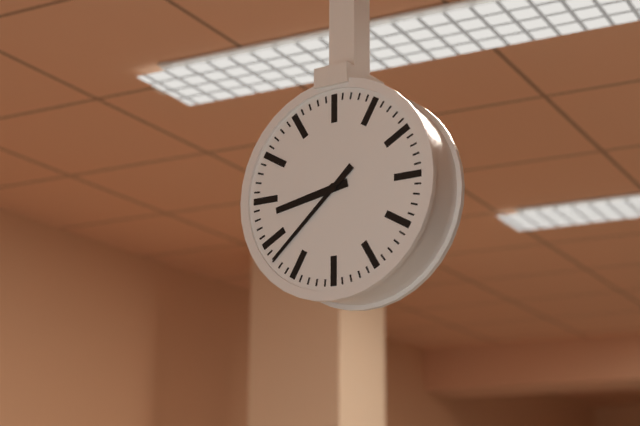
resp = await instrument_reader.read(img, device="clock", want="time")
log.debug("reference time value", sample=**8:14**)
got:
**8:38**
